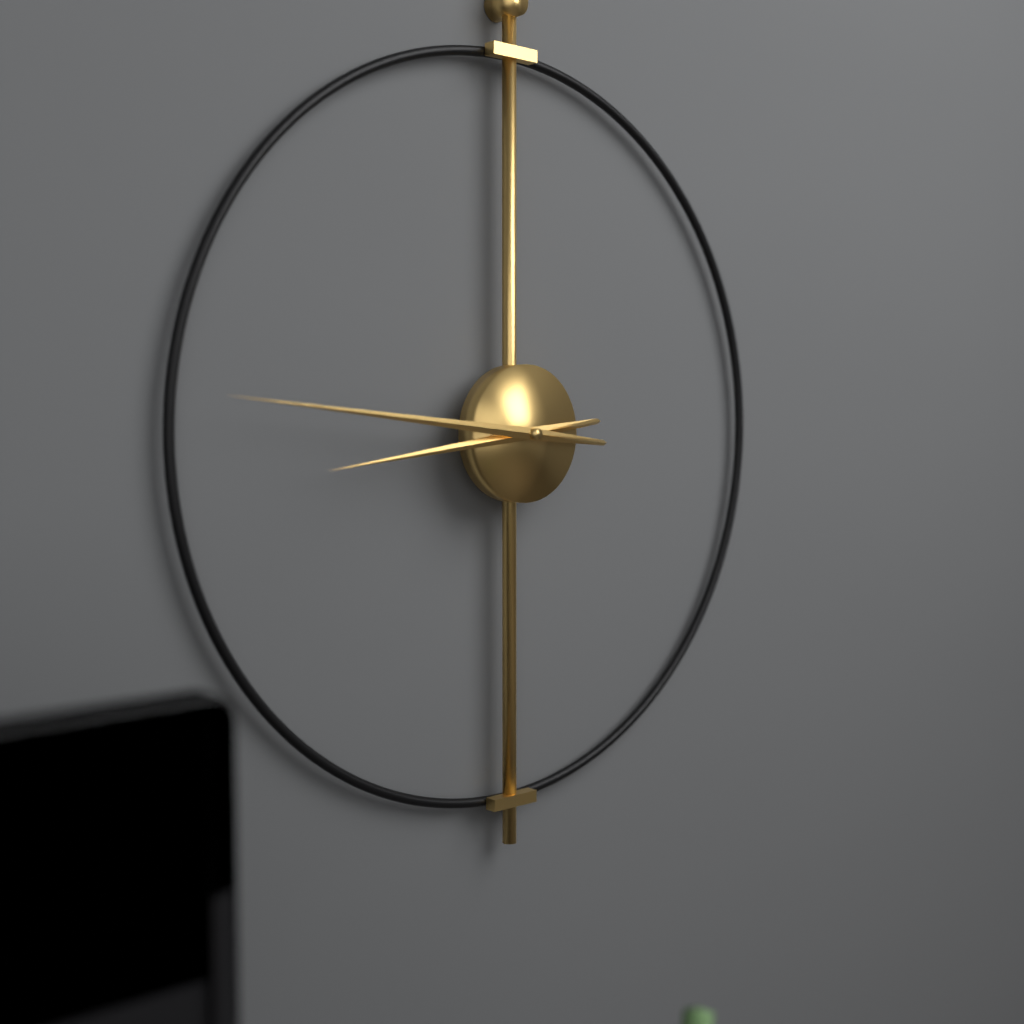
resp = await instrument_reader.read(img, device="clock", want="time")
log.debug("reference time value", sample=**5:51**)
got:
**8:46**
